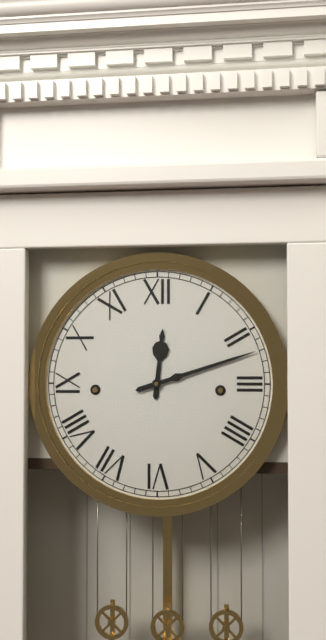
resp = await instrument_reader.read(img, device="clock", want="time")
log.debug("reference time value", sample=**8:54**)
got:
**12:12**
